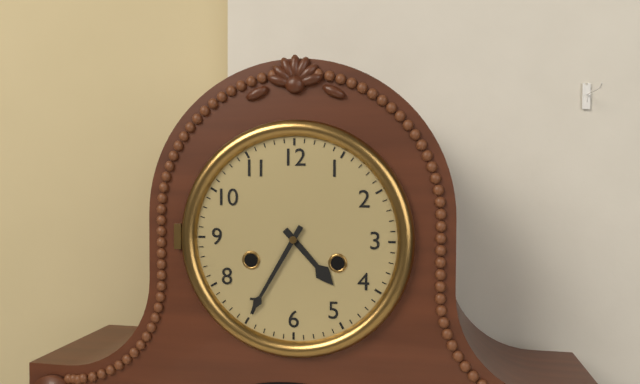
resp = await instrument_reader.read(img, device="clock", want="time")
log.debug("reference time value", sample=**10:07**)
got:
**4:35**
